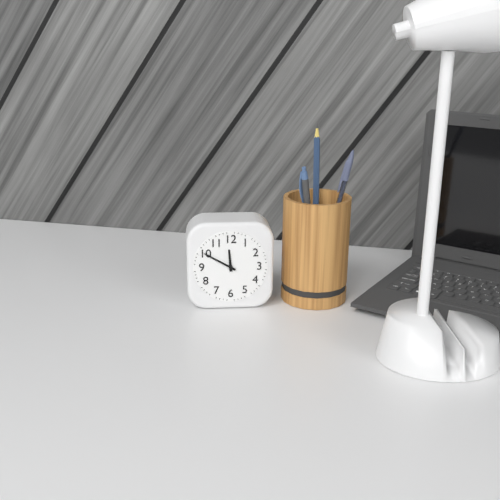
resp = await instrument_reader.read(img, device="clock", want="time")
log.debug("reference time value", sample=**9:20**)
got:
**11:50**
